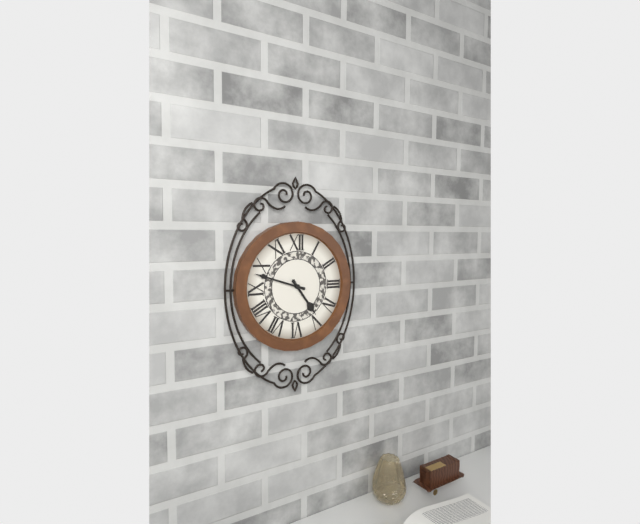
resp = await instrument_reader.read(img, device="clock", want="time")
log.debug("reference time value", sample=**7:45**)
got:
**4:48**
